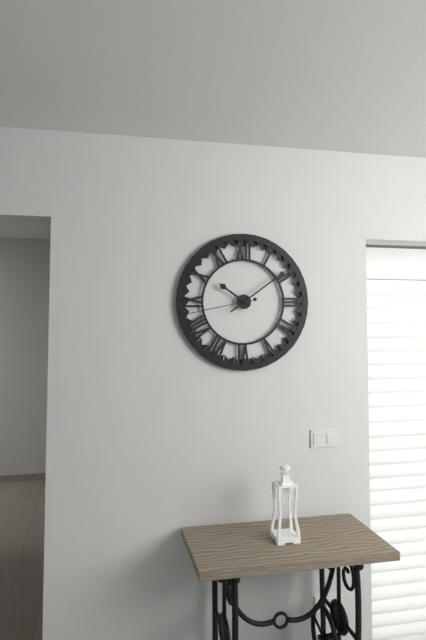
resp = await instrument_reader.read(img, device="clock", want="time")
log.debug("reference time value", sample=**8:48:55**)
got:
**10:09:43**
